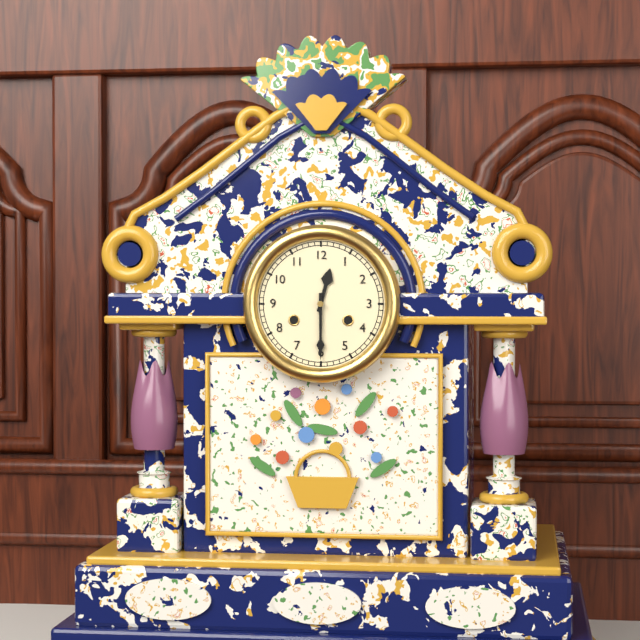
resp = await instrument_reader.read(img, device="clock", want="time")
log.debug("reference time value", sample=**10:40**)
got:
**12:30**
